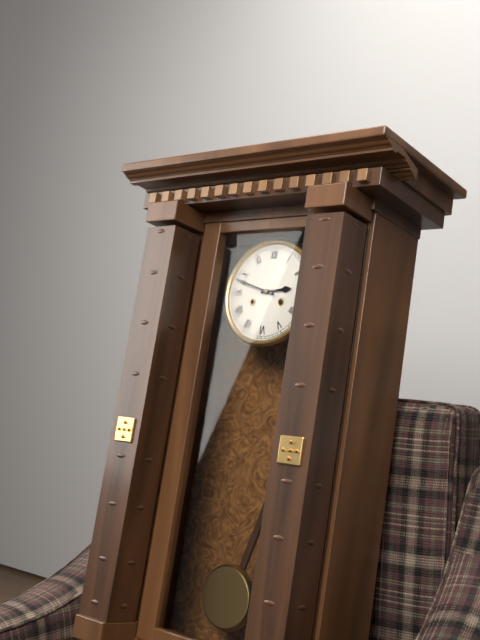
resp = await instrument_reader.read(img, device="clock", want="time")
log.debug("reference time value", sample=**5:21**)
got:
**2:48**
